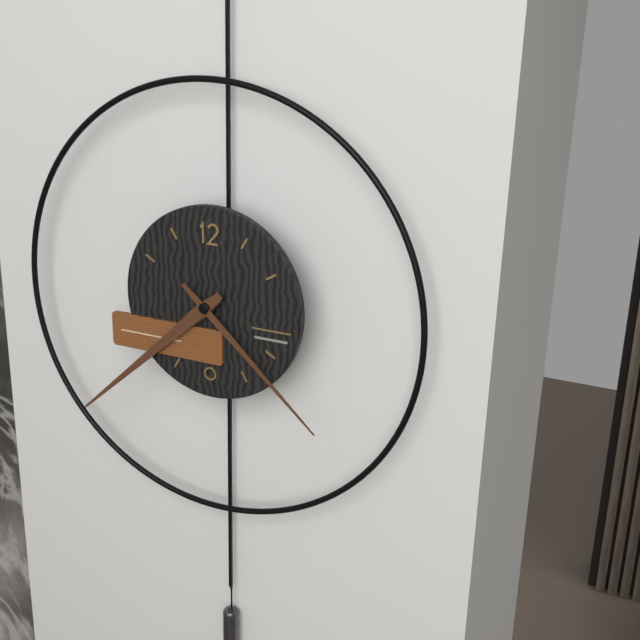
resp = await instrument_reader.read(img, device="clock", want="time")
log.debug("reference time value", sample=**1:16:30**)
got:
**7:38:22**
